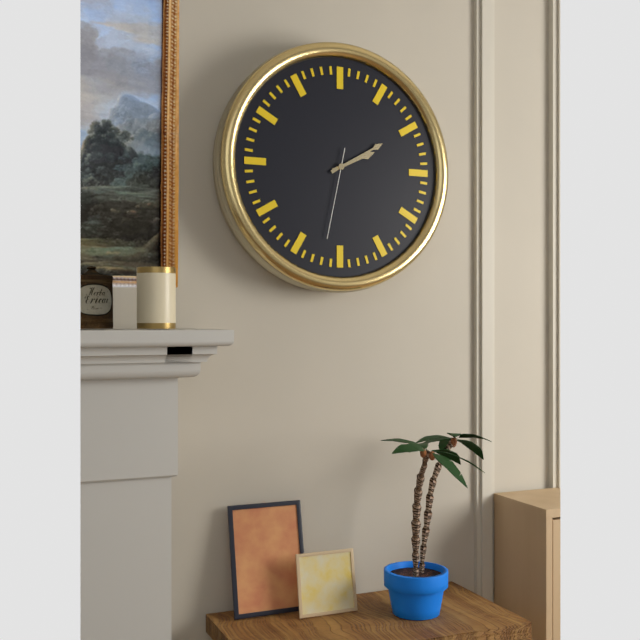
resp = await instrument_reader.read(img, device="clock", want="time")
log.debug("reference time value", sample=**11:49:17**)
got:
**2:10:32**
